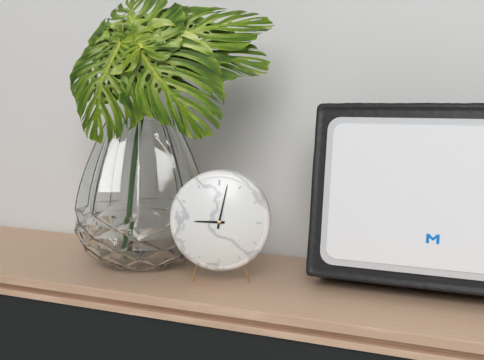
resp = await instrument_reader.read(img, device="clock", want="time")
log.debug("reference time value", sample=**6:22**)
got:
**9:02**
